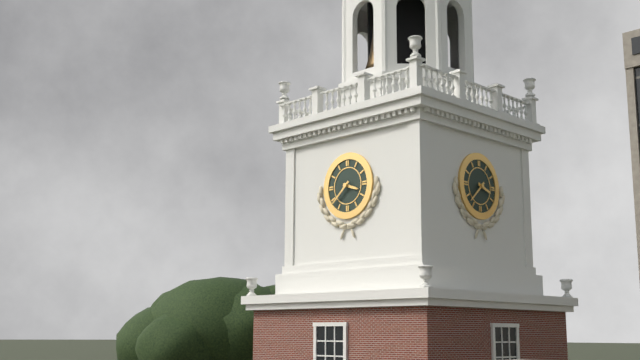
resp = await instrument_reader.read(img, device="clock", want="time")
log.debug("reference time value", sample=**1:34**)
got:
**3:38**
